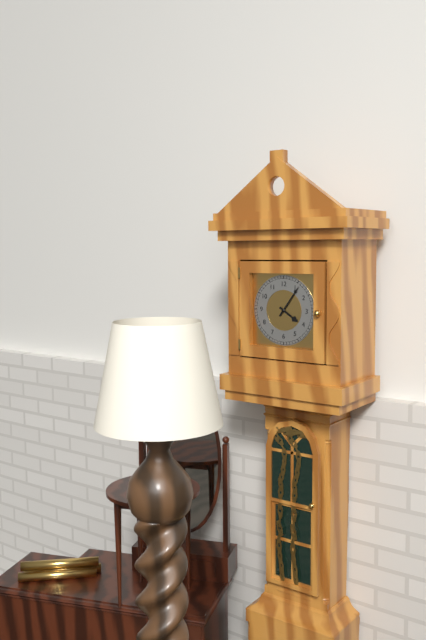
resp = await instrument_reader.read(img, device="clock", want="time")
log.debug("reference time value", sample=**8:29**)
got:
**4:06**
